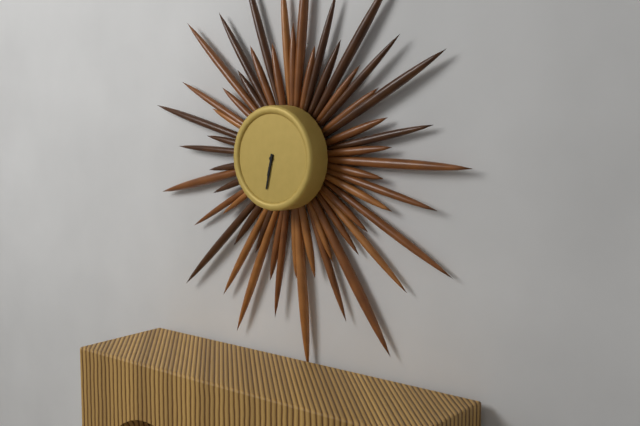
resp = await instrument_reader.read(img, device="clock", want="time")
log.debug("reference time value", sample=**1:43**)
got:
**6:32**
